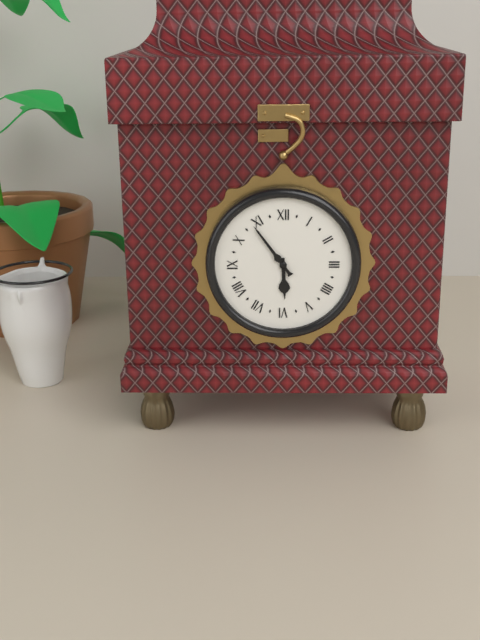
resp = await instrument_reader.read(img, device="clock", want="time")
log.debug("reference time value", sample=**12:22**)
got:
**5:54**
